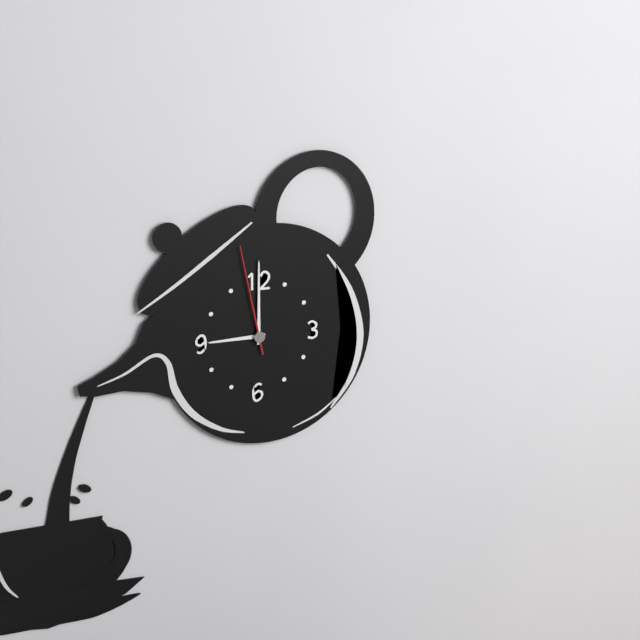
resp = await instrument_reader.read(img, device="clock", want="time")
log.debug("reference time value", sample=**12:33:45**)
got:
**9:00:58**
